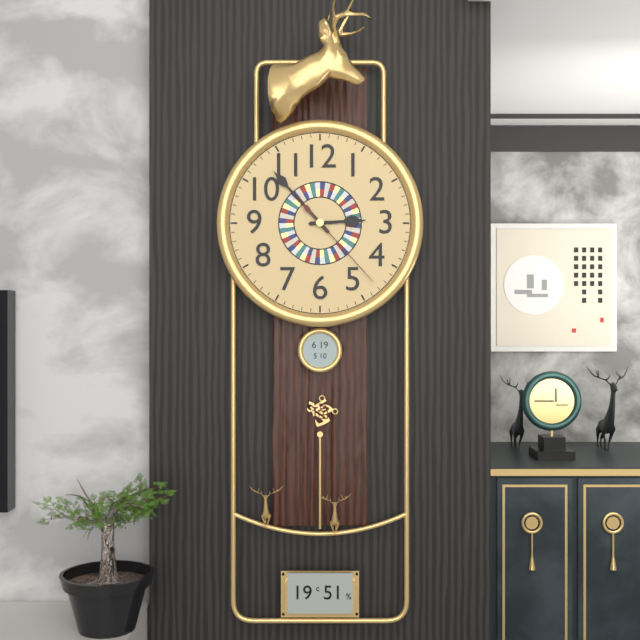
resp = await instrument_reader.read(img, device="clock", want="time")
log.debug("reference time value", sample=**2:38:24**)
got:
**2:53:23**
